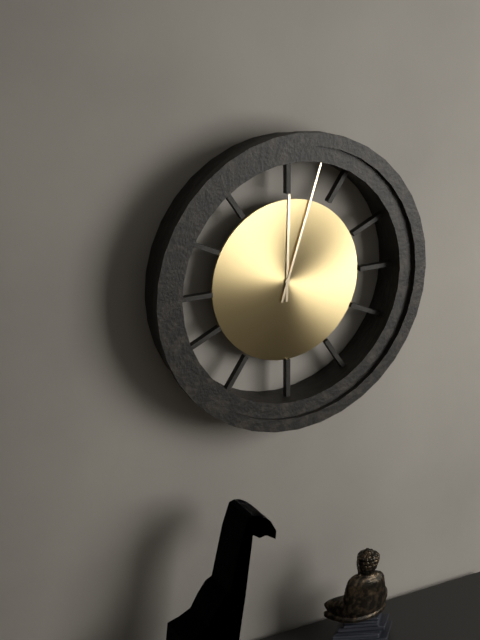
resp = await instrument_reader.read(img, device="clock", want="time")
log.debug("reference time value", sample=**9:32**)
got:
**12:03**
